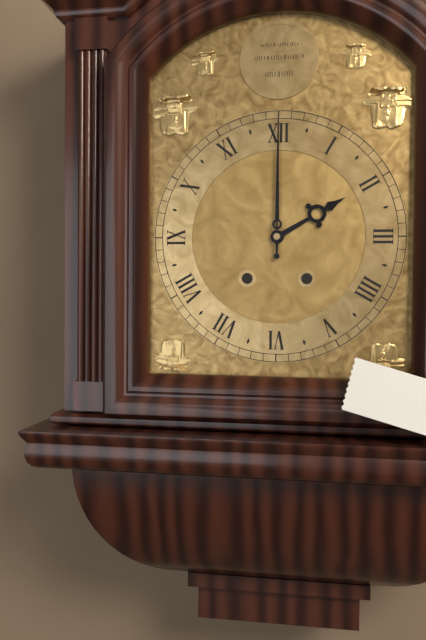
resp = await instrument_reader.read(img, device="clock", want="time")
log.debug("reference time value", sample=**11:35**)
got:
**2:00**
